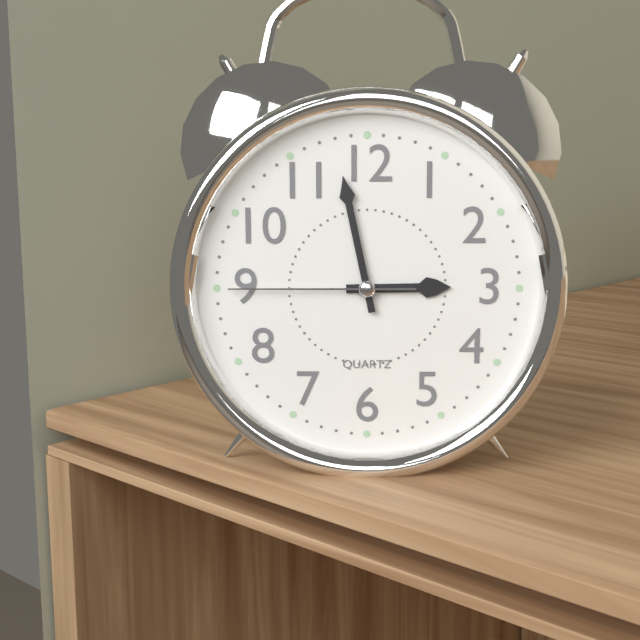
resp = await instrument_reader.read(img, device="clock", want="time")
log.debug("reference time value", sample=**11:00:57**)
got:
**2:58:45**
